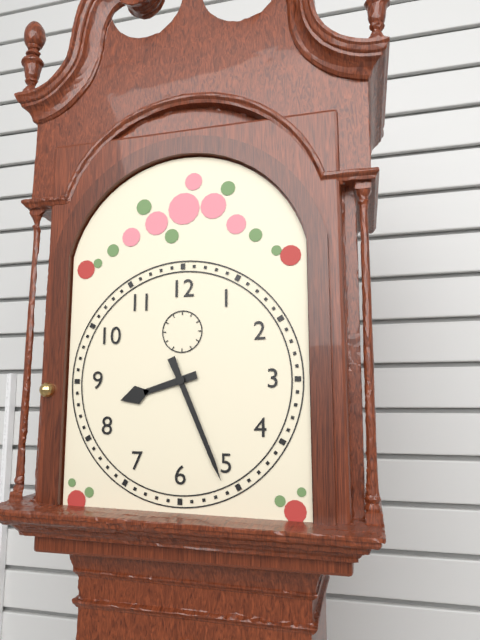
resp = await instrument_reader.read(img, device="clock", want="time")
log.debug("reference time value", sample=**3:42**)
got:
**8:26**
